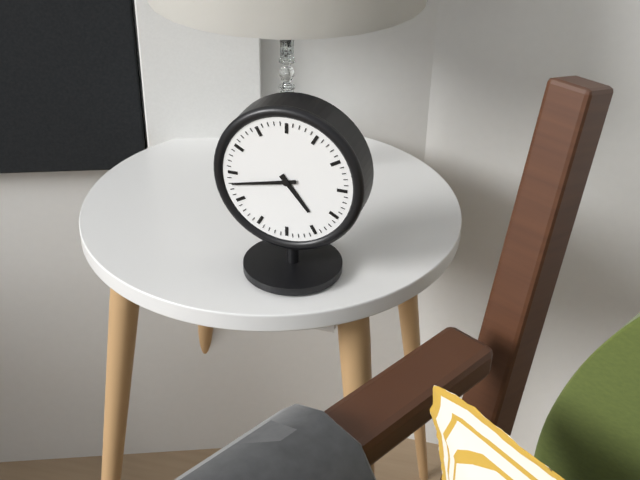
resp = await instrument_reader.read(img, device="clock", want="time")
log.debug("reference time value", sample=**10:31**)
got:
**4:43**
